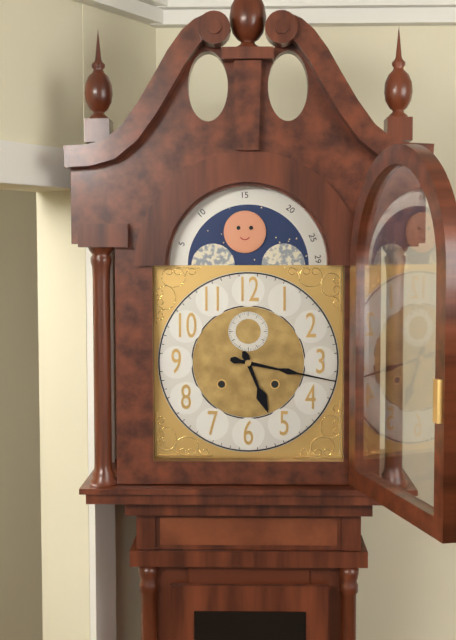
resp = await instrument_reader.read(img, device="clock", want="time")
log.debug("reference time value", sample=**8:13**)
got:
**5:17**
